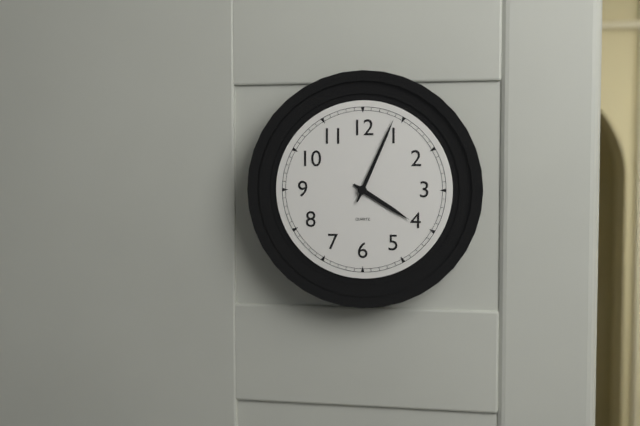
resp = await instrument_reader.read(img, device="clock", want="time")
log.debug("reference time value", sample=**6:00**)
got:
**4:04**
